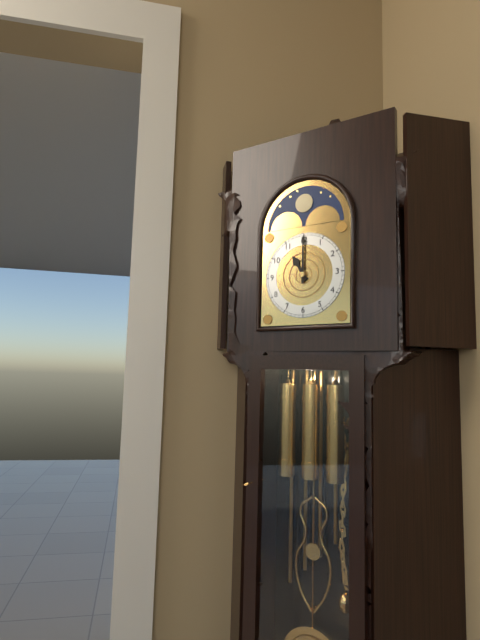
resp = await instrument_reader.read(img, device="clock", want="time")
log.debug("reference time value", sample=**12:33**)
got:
**11:00**
